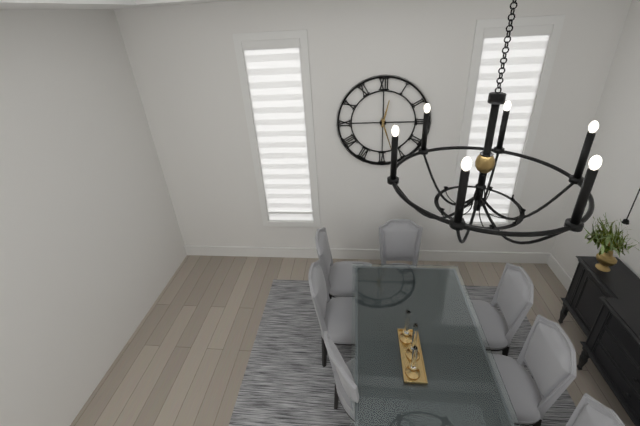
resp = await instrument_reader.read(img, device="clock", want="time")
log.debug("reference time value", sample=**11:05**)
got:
**12:27**
